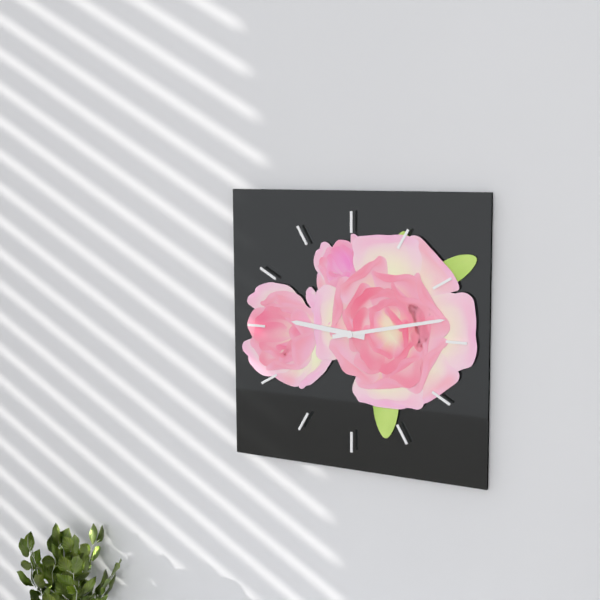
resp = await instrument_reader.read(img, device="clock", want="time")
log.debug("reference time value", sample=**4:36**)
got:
**9:13**
